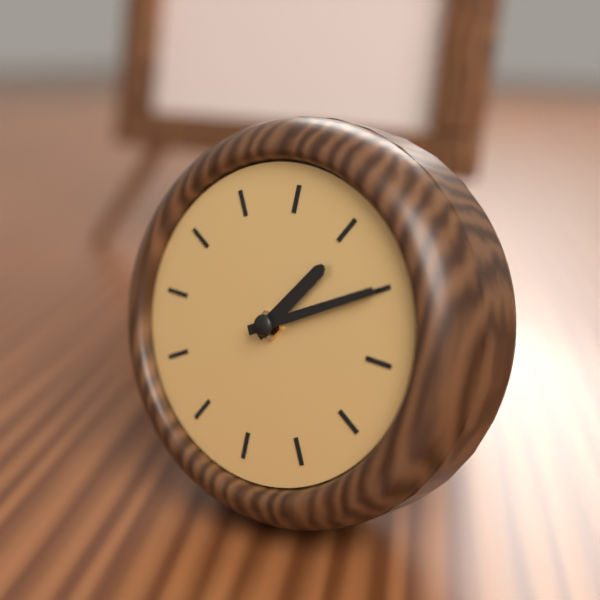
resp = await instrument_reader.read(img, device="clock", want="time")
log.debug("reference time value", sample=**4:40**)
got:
**1:10**
